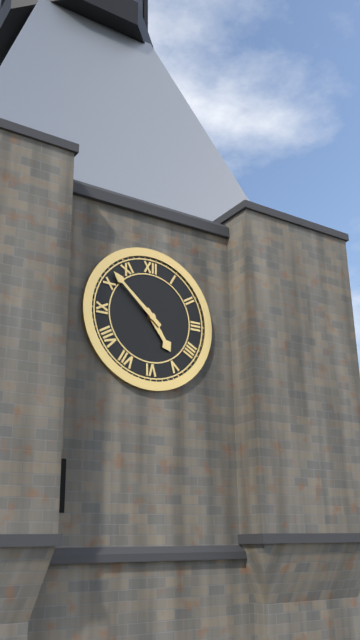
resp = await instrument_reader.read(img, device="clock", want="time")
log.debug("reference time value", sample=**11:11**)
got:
**4:52**
